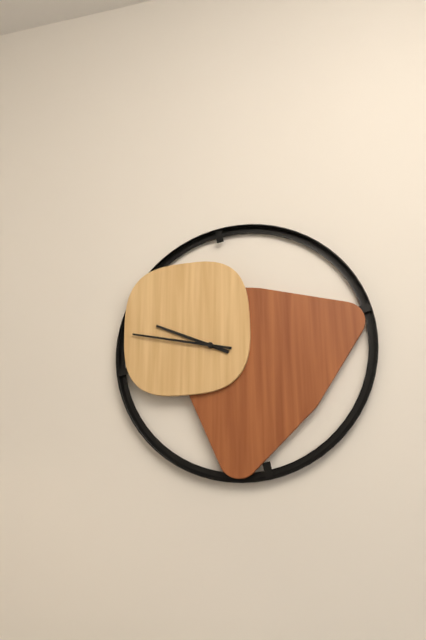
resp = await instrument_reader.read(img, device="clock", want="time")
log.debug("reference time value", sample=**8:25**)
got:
**9:47**
